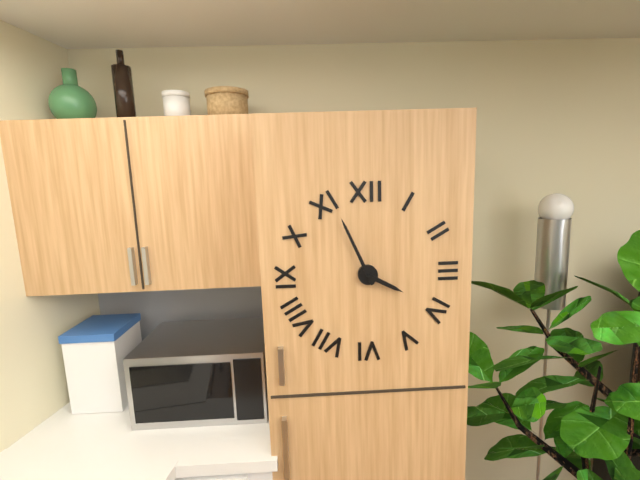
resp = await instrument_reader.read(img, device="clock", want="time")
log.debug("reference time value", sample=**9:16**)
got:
**3:56**
